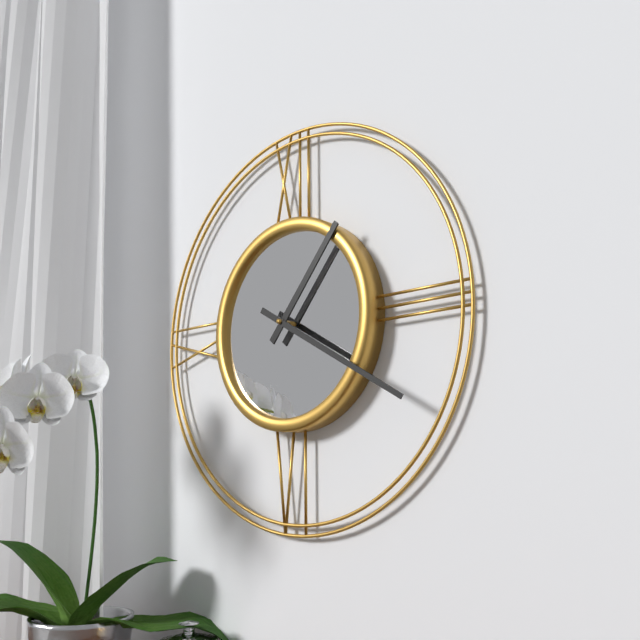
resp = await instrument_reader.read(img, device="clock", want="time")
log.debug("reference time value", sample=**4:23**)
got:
**1:20**
